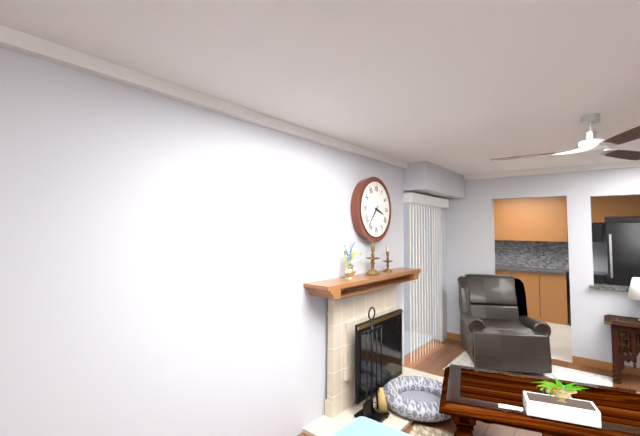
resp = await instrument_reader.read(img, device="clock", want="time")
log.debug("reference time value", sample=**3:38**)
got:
**3:37**
